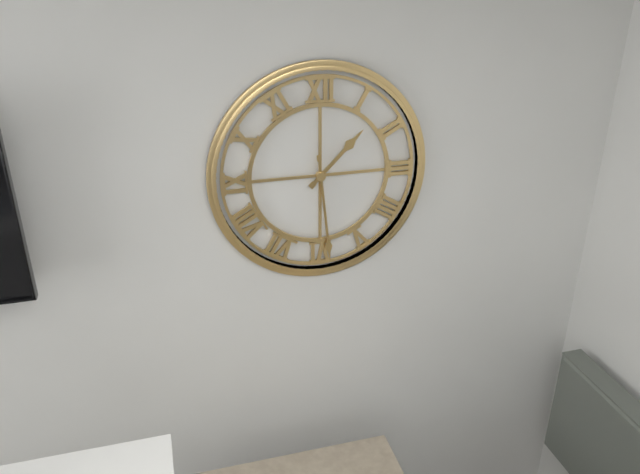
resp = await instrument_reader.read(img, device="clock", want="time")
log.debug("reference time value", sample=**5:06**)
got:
**1:29**
